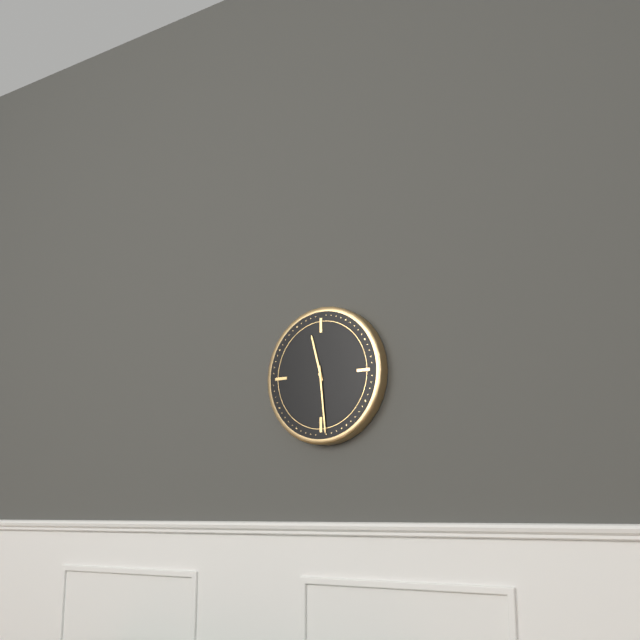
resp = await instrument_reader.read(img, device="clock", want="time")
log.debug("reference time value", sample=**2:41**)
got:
**11:29**
